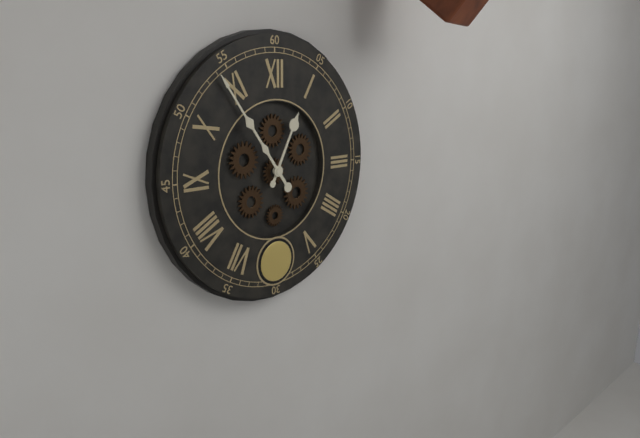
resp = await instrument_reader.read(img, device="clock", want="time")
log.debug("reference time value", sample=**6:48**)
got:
**12:54**
